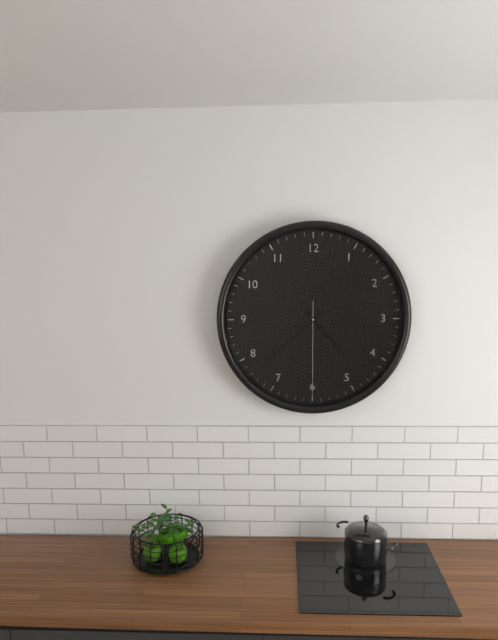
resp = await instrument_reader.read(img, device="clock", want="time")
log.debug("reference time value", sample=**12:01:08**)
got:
**4:38:30**
